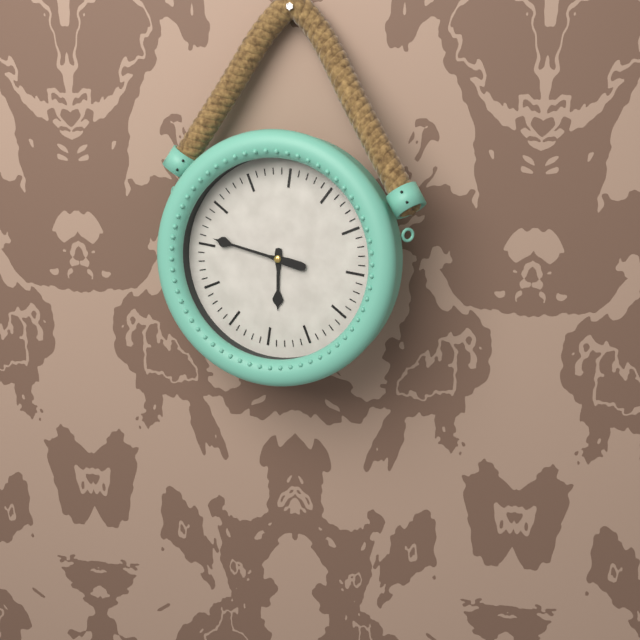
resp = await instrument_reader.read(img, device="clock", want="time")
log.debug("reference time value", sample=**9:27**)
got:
**5:46**
